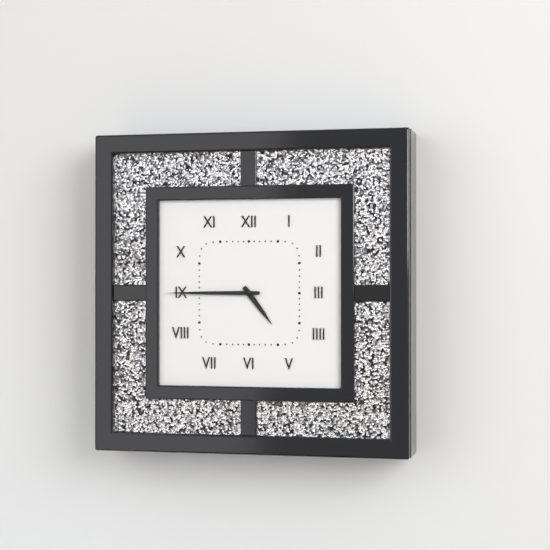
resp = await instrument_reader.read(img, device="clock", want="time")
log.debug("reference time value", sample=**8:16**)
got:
**4:45**
